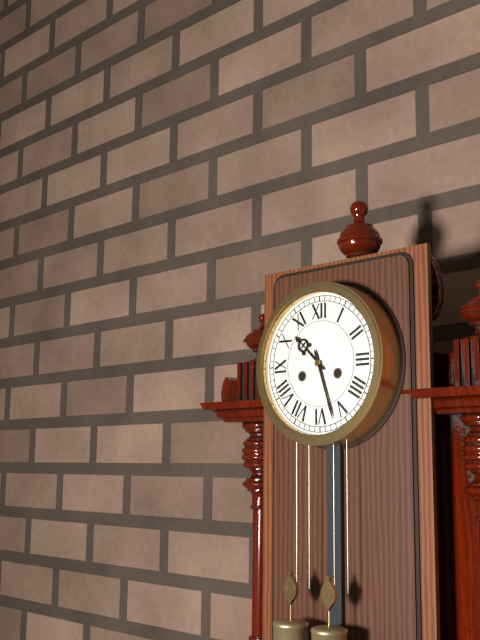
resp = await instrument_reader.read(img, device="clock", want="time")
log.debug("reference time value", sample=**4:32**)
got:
**10:27**
